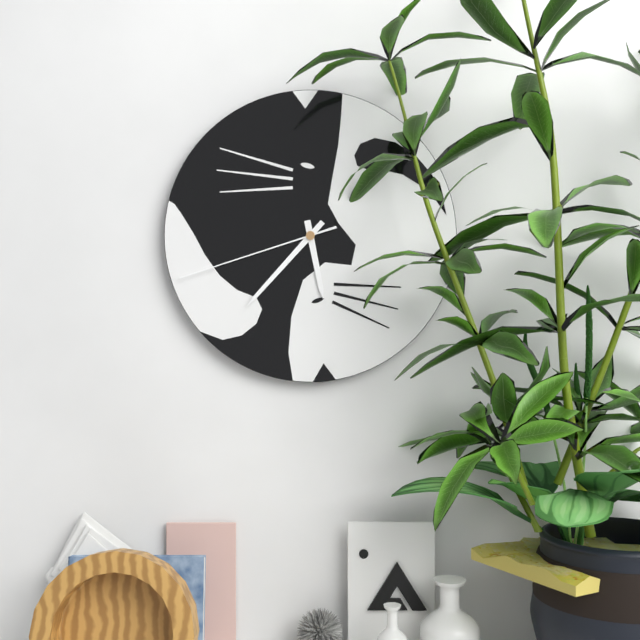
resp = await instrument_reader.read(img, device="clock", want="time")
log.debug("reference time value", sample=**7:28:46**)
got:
**5:37:42**
